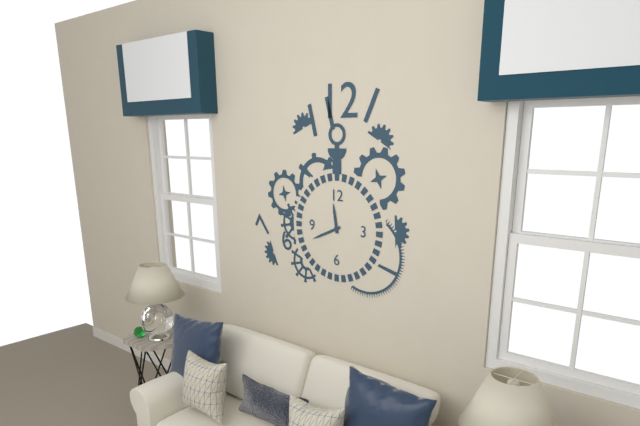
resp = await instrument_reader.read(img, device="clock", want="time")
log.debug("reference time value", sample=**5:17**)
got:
**11:41**
